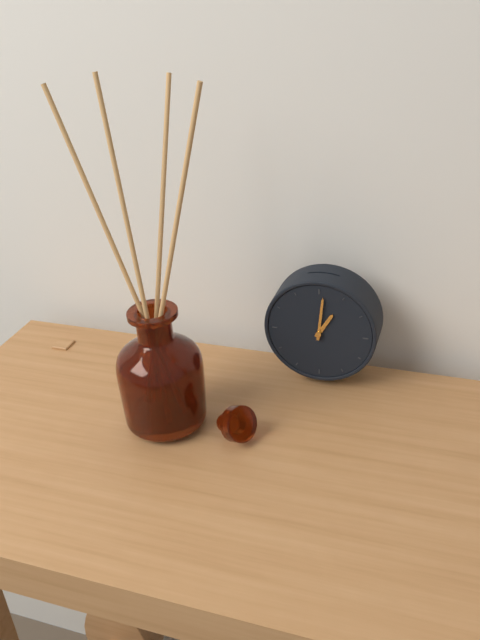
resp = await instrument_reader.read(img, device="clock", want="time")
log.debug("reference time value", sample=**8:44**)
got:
**1:01**
